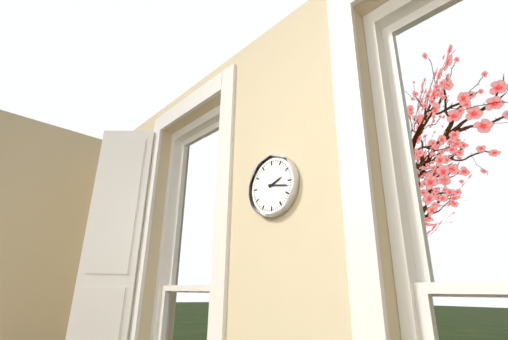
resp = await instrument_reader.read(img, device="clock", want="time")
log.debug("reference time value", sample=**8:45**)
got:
**2:17**
